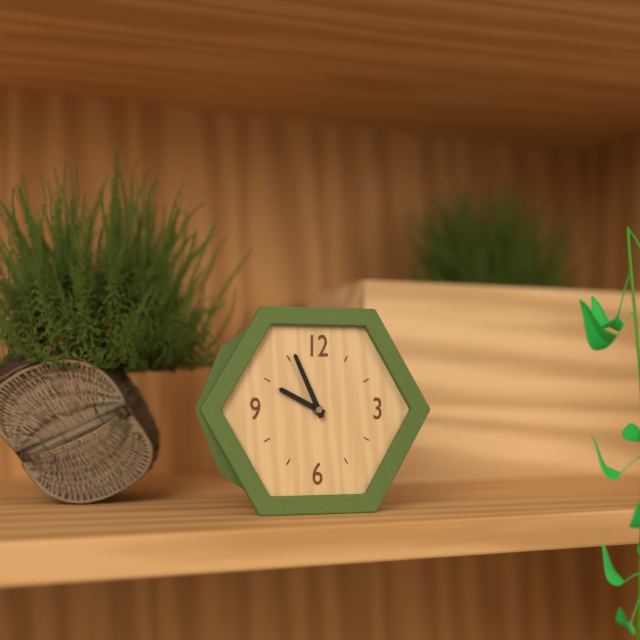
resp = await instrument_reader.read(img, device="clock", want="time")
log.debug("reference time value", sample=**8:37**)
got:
**9:56**
